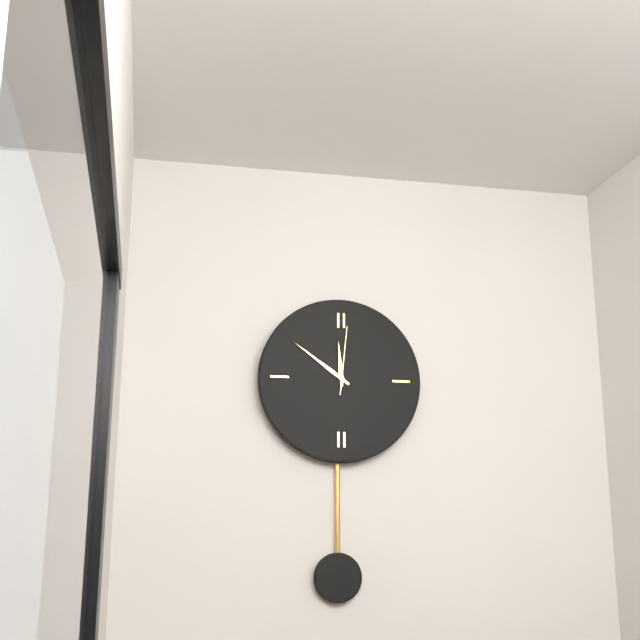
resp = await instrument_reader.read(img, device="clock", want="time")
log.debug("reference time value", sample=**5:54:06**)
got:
**11:51:01**
